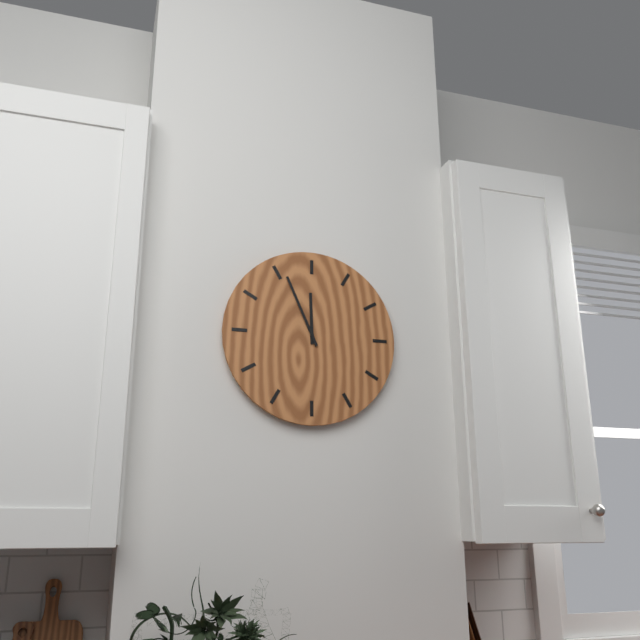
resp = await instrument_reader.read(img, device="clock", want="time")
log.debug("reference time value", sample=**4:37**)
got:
**11:56**
